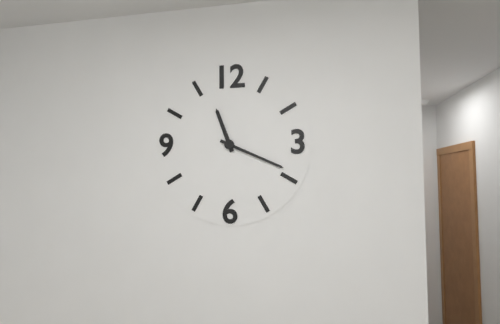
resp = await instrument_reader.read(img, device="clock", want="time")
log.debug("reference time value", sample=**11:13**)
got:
**11:19**
